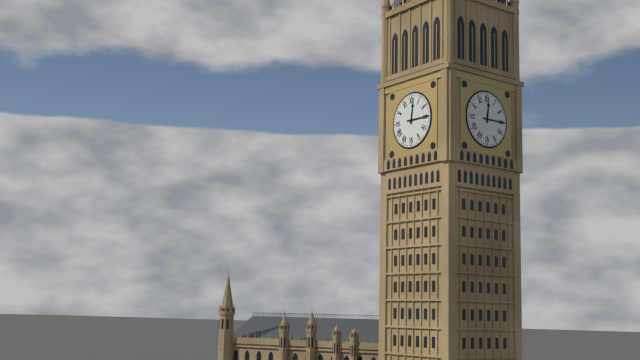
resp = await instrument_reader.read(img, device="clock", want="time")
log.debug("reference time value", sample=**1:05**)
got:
**12:15**
